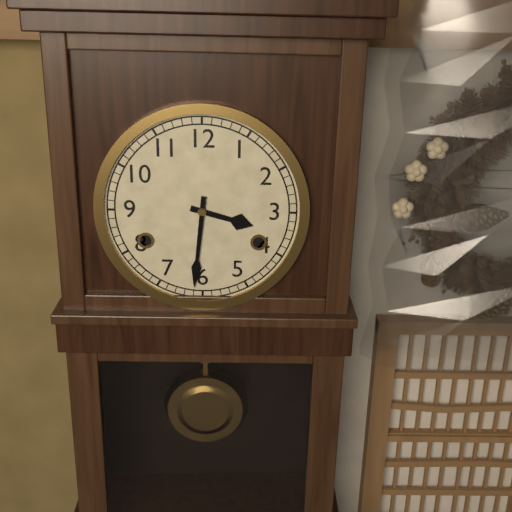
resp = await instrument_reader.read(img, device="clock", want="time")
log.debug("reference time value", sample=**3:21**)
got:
**3:31**
